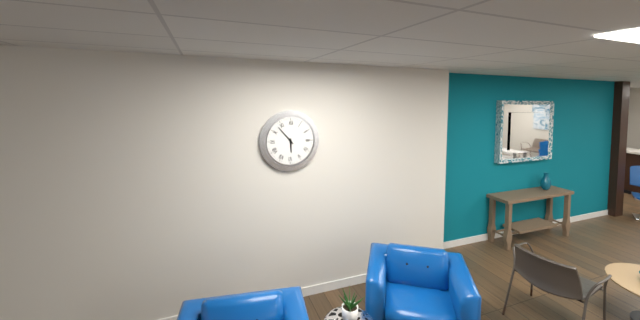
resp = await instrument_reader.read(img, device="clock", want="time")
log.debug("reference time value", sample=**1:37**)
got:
**5:53**
